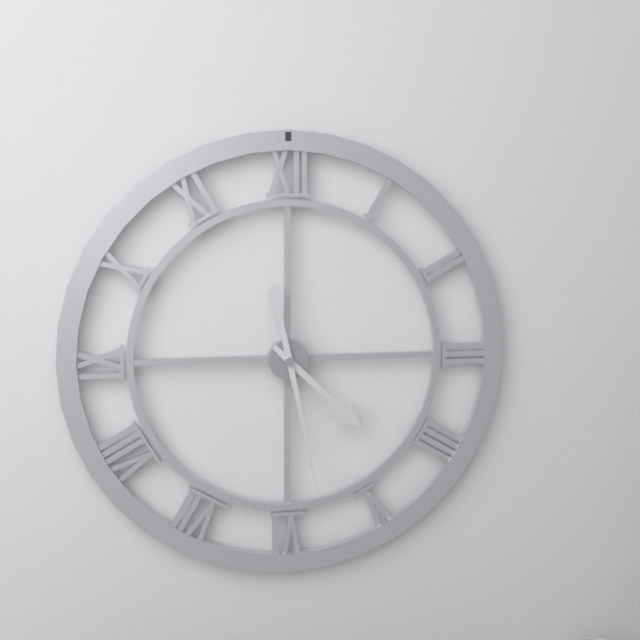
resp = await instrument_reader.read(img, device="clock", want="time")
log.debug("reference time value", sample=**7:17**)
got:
**4:28**
